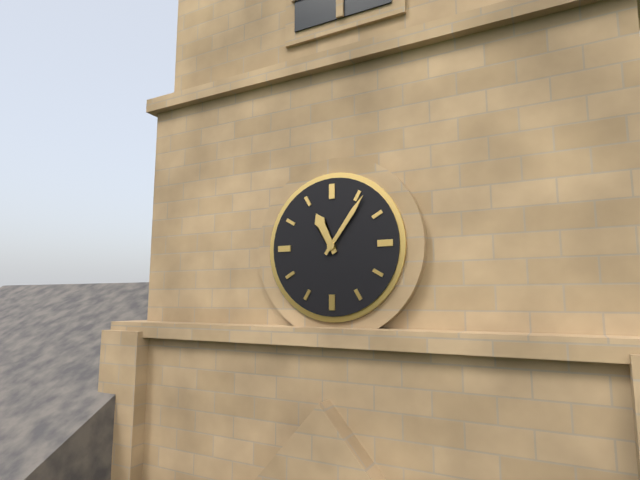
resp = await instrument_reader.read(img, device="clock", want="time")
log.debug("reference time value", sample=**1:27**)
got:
**11:06**
